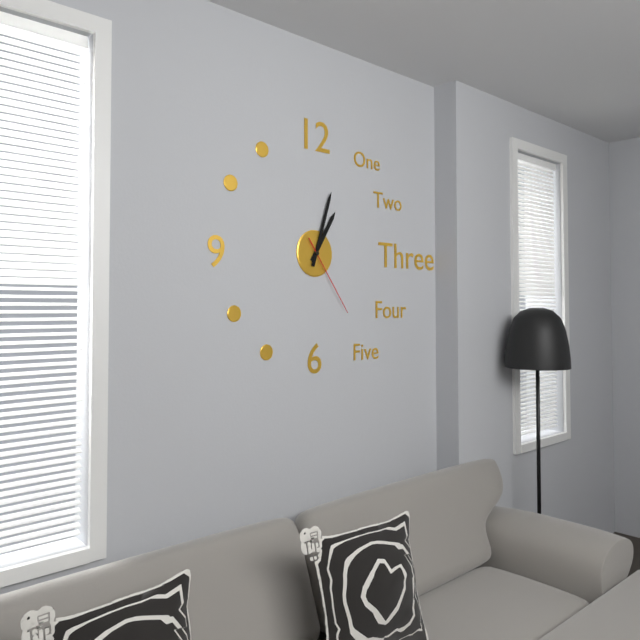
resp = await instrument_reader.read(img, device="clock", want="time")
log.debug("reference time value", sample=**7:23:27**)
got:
**1:03:24**
